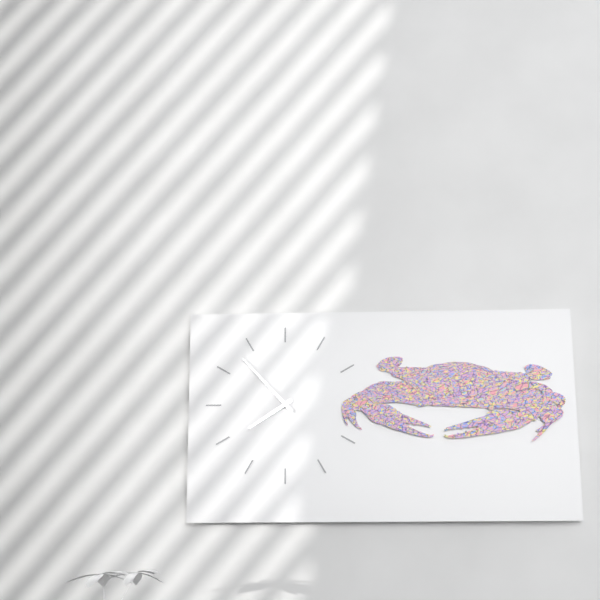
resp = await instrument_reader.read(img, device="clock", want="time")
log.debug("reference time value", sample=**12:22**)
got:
**7:53**
